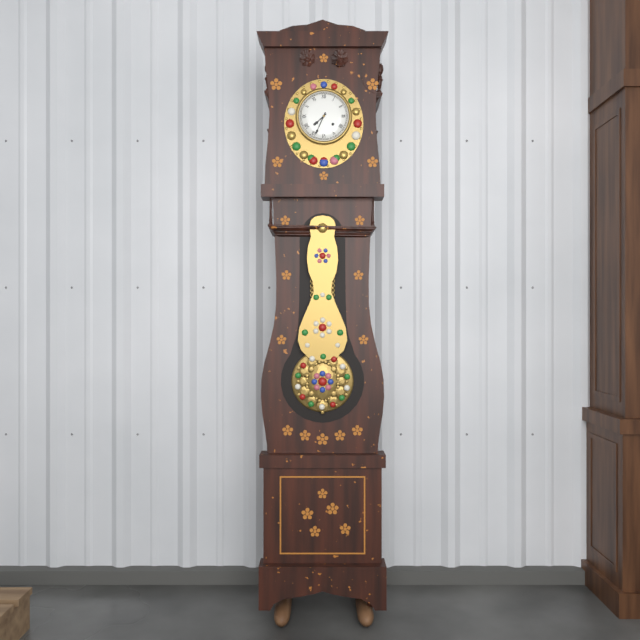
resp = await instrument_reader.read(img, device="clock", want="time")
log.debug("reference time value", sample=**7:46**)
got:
**7:34**
